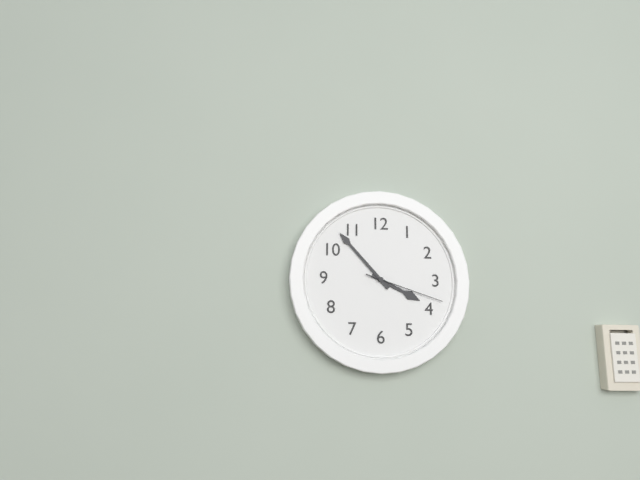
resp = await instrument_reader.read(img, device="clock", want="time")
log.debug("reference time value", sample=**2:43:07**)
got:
**3:53:18**
